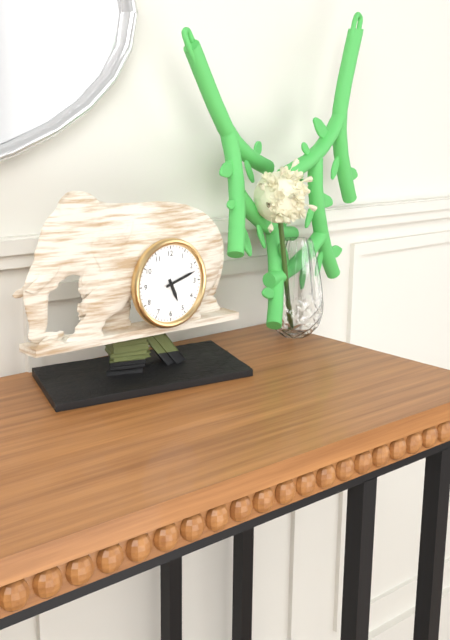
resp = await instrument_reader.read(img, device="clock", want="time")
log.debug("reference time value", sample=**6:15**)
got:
**5:12**
